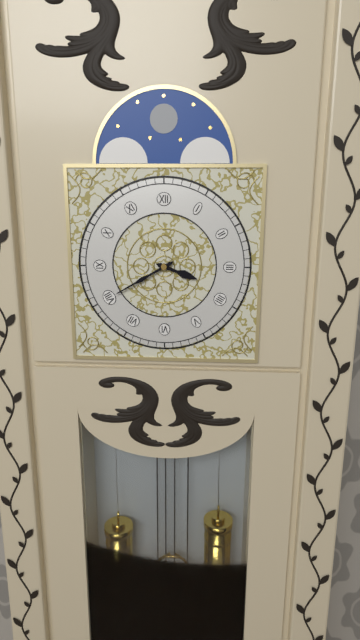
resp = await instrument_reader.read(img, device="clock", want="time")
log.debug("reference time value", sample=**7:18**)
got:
**3:40**
